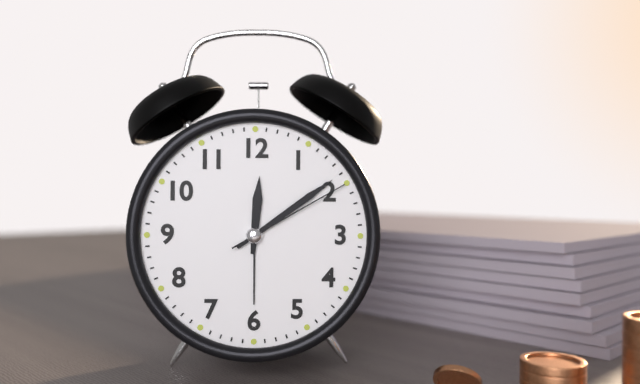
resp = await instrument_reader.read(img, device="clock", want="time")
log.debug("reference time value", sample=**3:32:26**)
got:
**12:09:10**
